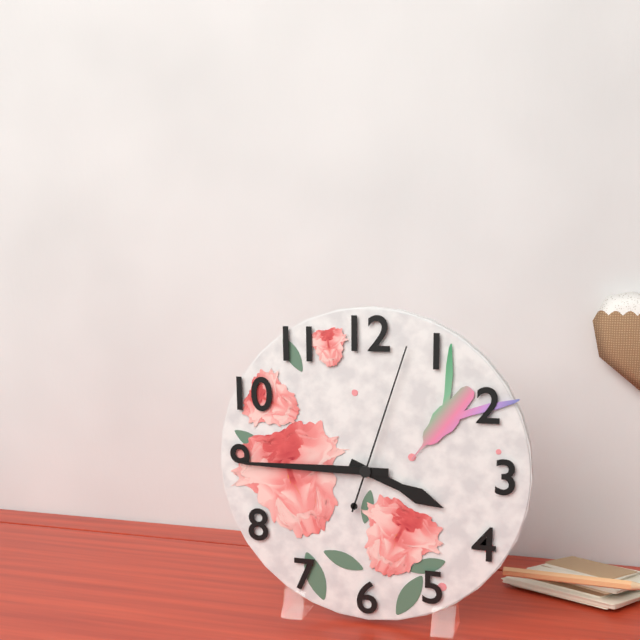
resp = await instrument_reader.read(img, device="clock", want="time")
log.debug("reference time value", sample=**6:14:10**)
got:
**3:45:03**
